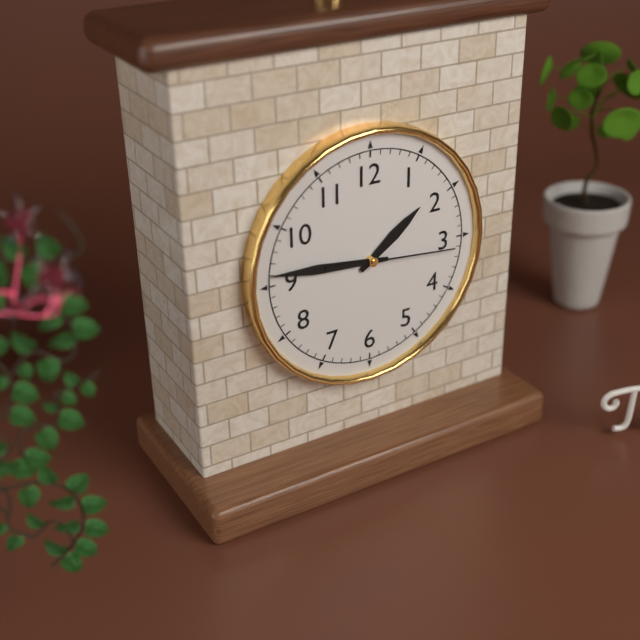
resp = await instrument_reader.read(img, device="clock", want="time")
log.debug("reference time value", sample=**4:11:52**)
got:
**1:46:16**
